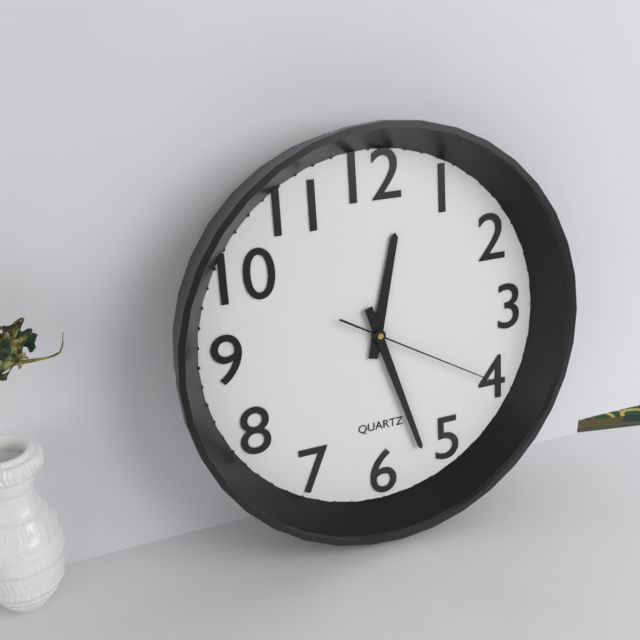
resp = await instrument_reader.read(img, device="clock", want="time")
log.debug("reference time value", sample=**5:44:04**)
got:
**12:27:20**
